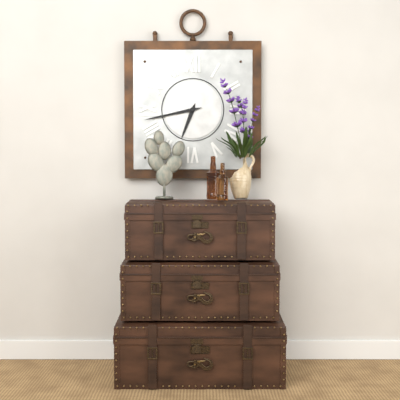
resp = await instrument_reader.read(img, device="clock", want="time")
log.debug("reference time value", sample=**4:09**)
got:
**6:43**
